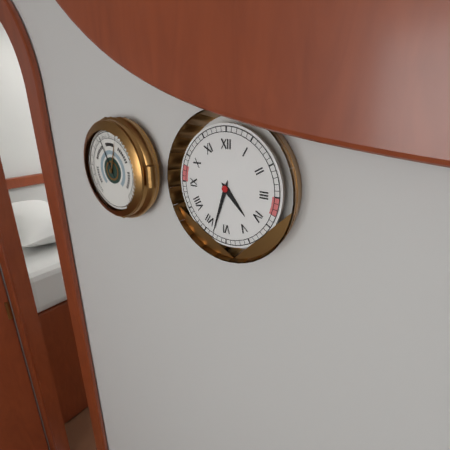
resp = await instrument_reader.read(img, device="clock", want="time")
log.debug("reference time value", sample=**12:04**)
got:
**4:33**
